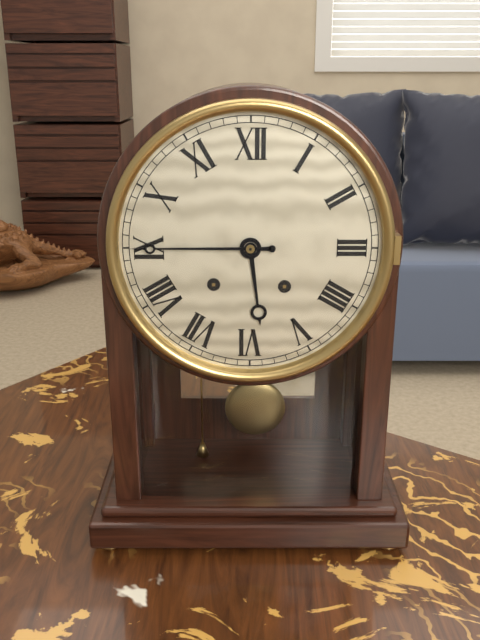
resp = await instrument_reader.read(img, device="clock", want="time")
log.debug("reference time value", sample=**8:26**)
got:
**5:45**
